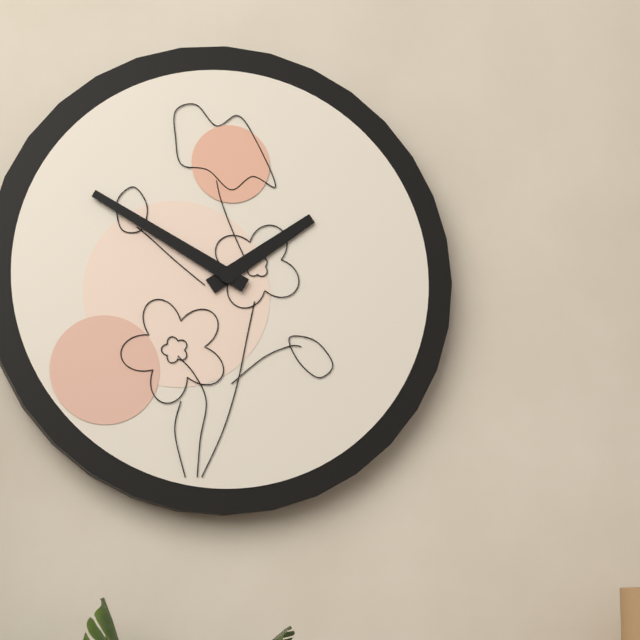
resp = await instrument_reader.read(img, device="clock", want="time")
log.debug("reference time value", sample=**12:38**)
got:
**1:50**
